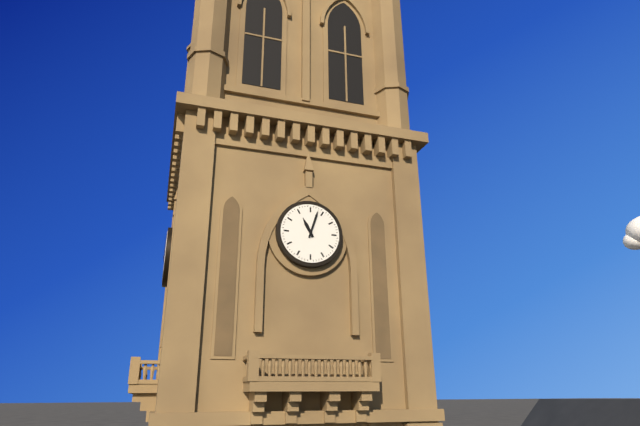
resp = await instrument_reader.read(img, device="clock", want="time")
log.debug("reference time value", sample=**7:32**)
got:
**11:03**
